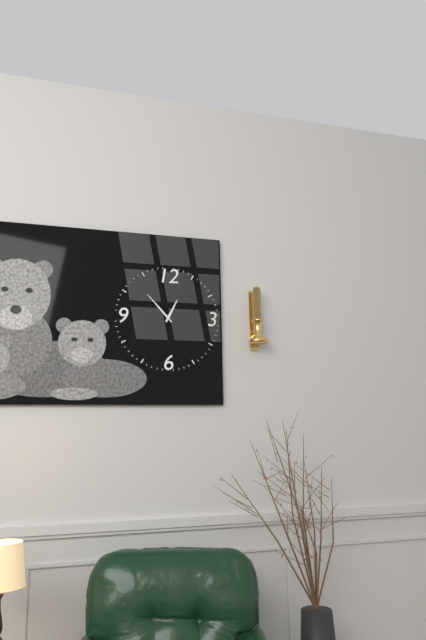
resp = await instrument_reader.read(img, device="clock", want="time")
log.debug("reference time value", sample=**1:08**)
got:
**12:53**
